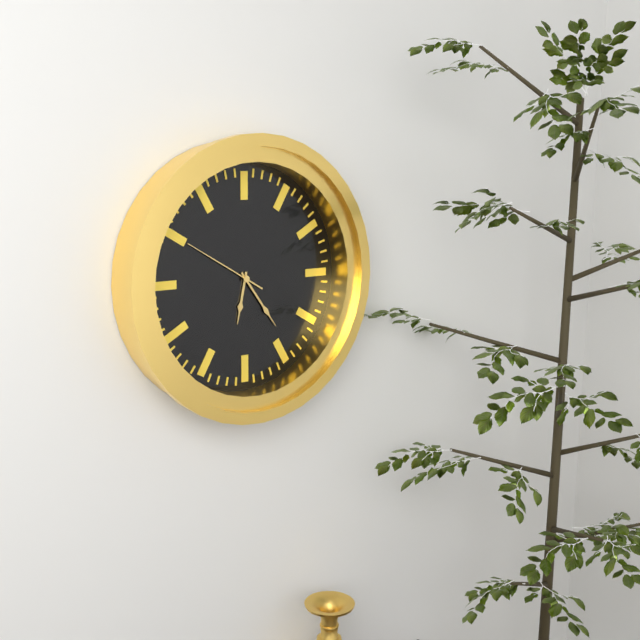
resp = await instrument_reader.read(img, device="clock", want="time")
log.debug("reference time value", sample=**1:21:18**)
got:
**6:24:50**
